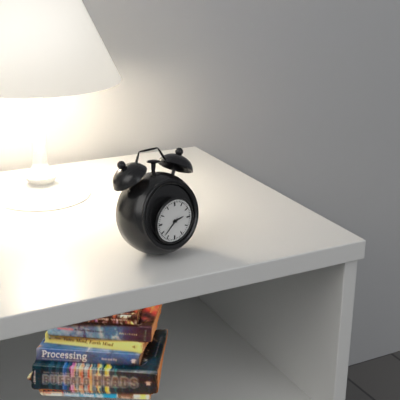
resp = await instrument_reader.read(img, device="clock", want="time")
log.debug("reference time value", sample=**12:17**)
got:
**2:38**
